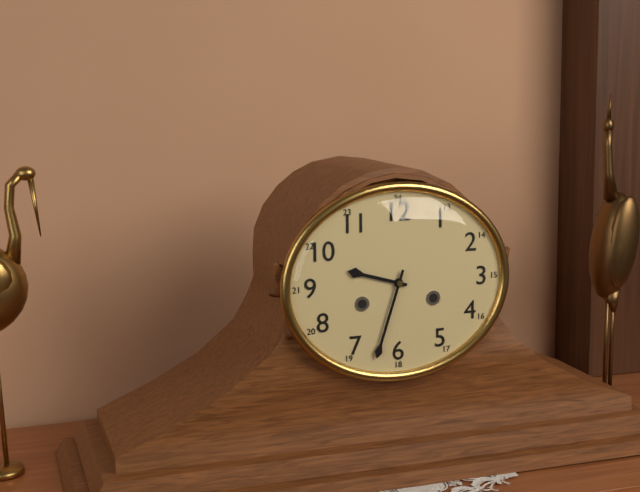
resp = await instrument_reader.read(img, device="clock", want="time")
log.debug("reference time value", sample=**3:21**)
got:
**9:33**
